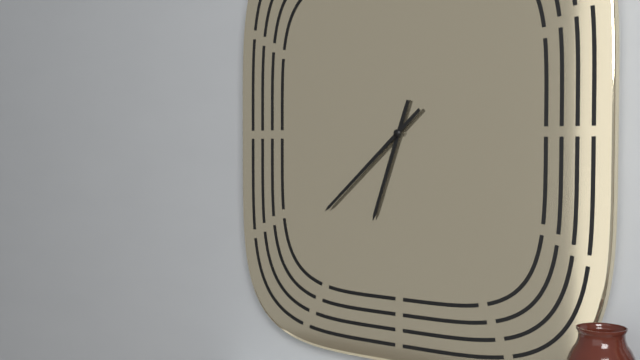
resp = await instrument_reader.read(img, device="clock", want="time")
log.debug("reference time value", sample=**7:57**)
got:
**6:38**
